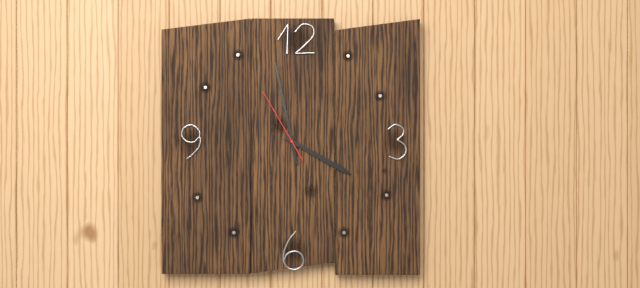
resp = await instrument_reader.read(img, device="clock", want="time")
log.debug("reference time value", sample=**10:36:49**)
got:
**3:58:55**
